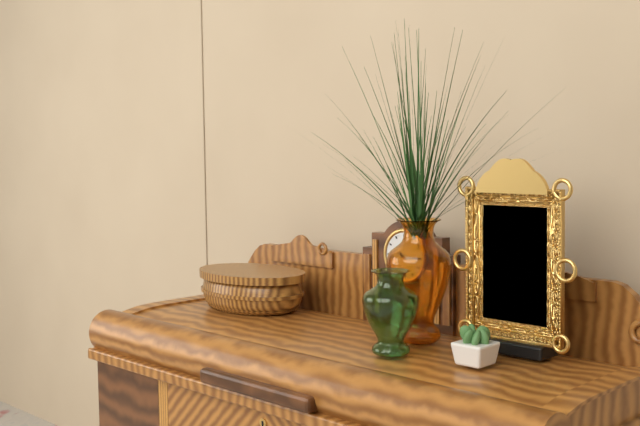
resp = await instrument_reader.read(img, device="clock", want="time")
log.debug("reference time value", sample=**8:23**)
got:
**10:15**
